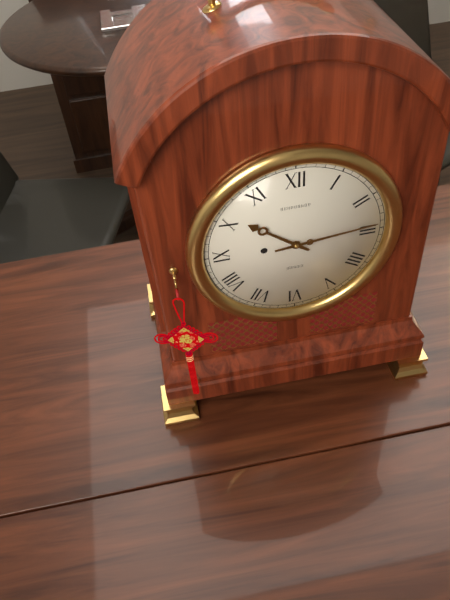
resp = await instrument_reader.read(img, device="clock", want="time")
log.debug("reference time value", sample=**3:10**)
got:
**10:14**
